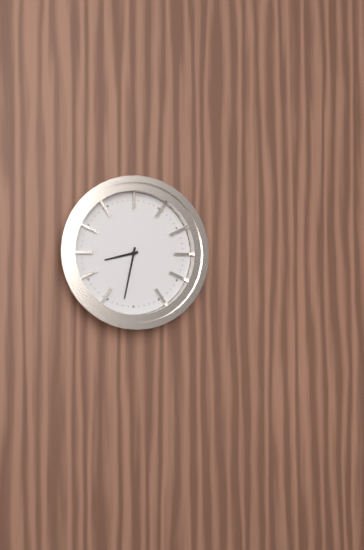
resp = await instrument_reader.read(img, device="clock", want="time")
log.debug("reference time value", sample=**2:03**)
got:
**8:32**
